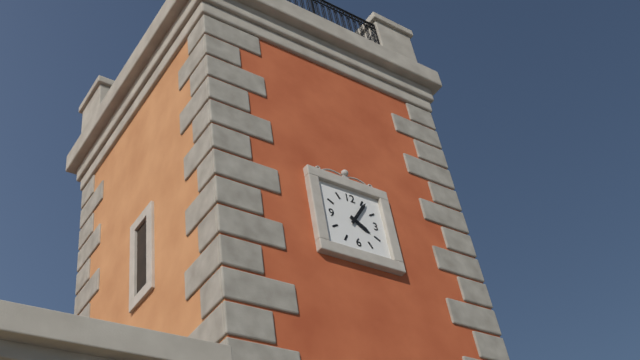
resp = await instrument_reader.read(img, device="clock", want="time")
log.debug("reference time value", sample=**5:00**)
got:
**4:06**
